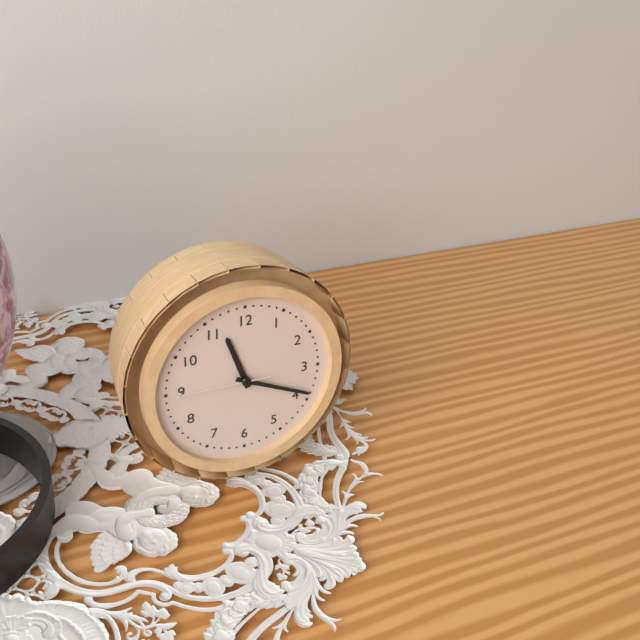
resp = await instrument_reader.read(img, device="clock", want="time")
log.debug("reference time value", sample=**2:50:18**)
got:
**11:19:45**
